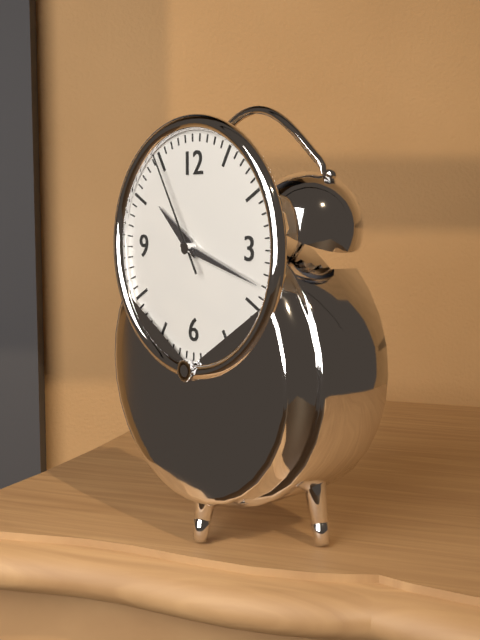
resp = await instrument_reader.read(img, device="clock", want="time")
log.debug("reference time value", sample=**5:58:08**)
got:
**10:18:55**
